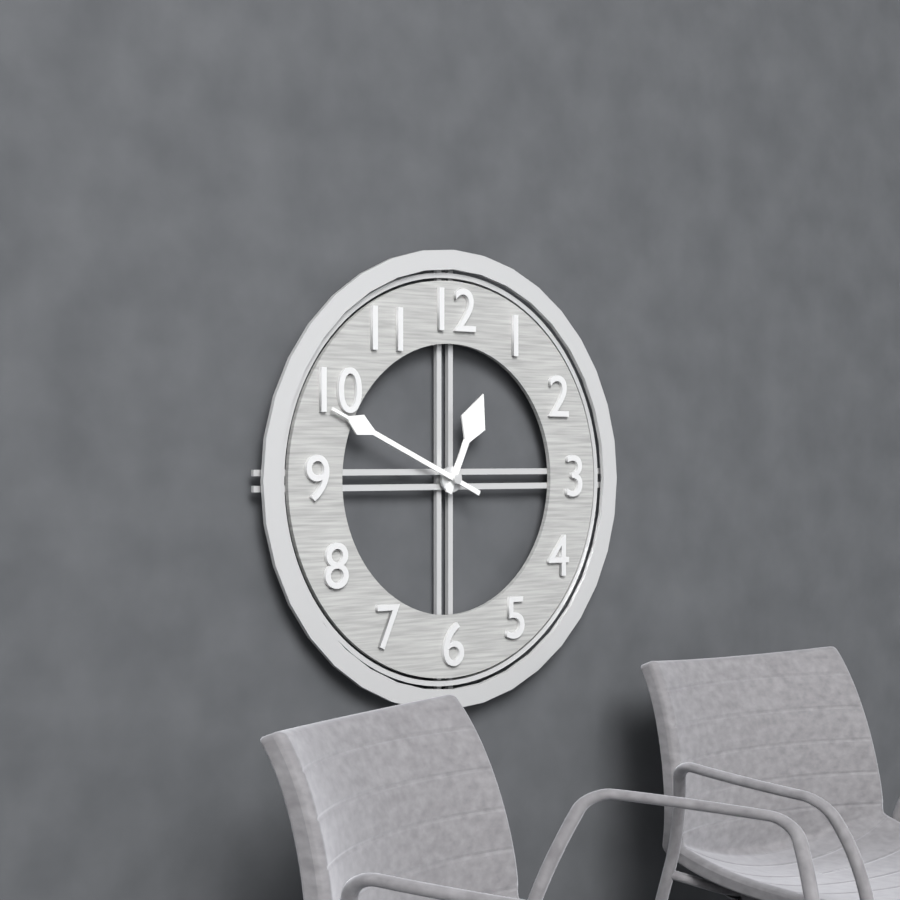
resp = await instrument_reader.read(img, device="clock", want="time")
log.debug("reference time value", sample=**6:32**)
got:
**12:49**
